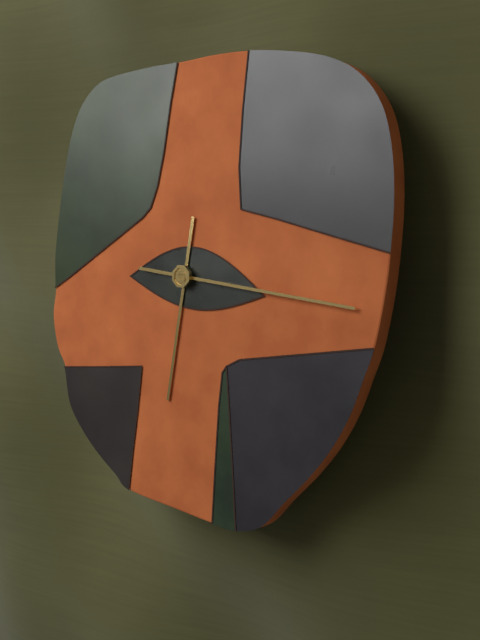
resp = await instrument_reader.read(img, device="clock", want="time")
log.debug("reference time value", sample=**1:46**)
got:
**6:16**
